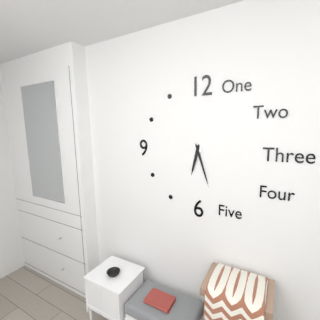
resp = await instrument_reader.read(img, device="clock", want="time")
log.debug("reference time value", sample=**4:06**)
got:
**6:27**
